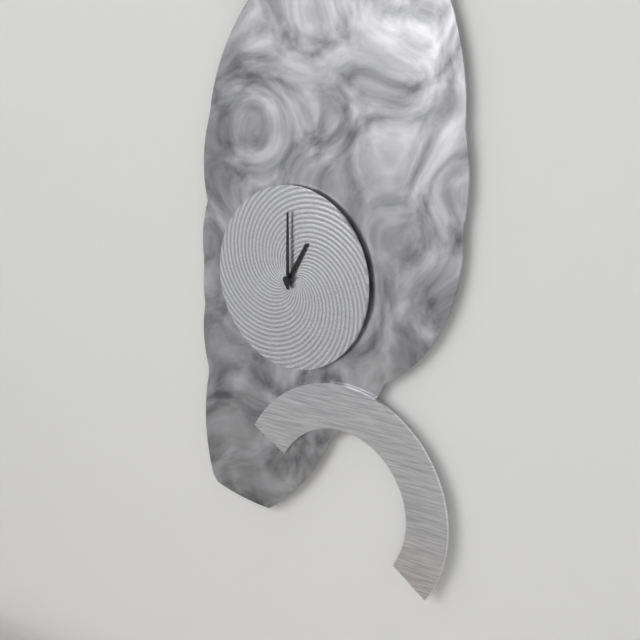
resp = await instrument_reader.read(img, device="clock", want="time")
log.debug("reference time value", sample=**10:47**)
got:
**1:00**
